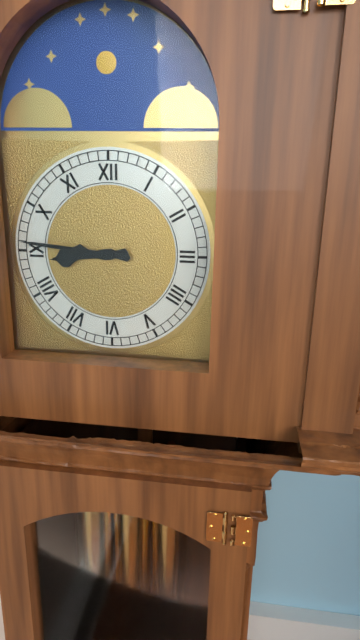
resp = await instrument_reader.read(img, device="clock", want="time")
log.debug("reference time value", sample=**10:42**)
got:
**8:46**
